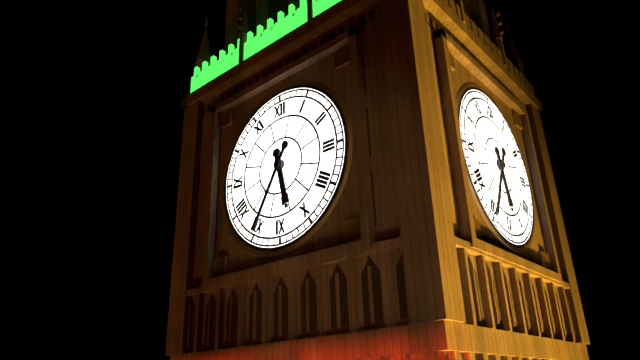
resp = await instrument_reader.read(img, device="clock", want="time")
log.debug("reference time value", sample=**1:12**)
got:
**5:35**
